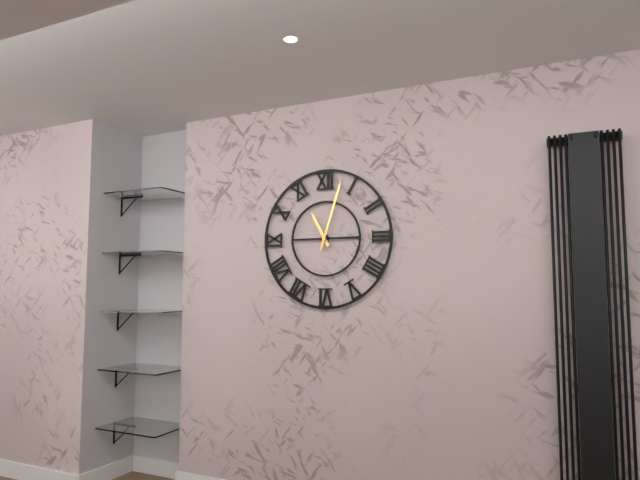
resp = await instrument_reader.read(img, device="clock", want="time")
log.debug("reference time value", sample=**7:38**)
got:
**11:03**
